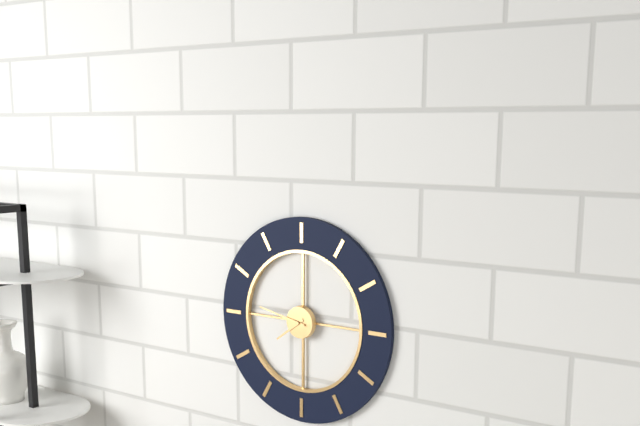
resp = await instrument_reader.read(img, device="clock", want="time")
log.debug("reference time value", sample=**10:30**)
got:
**7:47**
